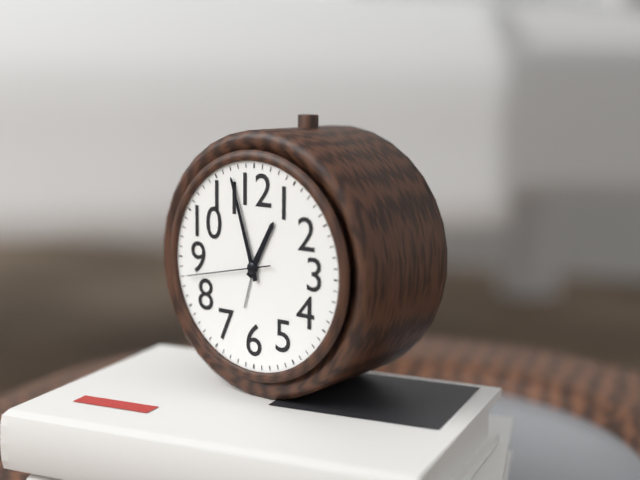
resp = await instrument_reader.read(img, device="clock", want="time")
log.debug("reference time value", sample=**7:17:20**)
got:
**12:57:43**
